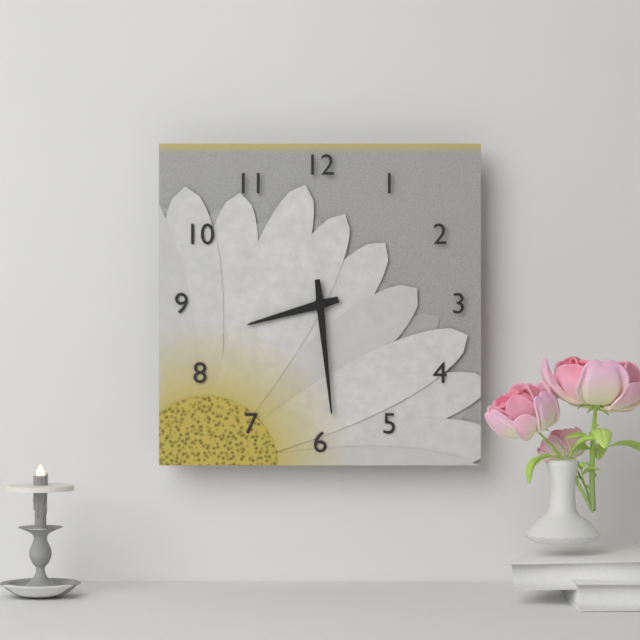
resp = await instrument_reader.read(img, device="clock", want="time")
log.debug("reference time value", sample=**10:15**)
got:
**8:29**
